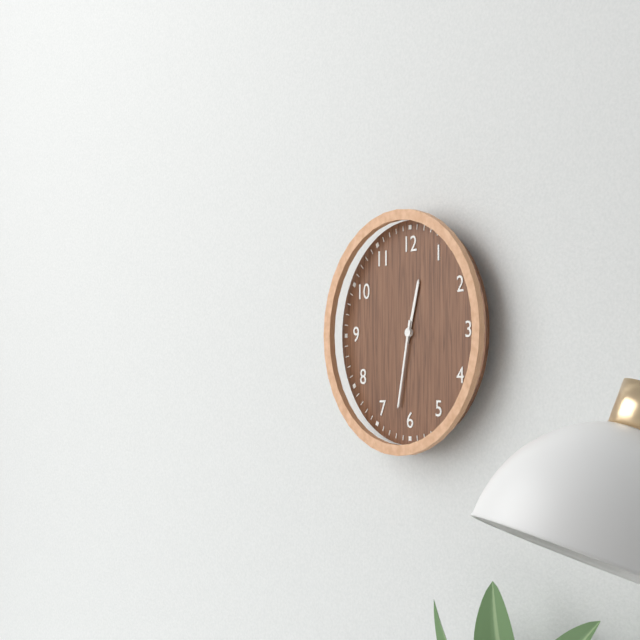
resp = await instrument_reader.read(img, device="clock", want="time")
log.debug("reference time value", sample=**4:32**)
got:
**12:32**
